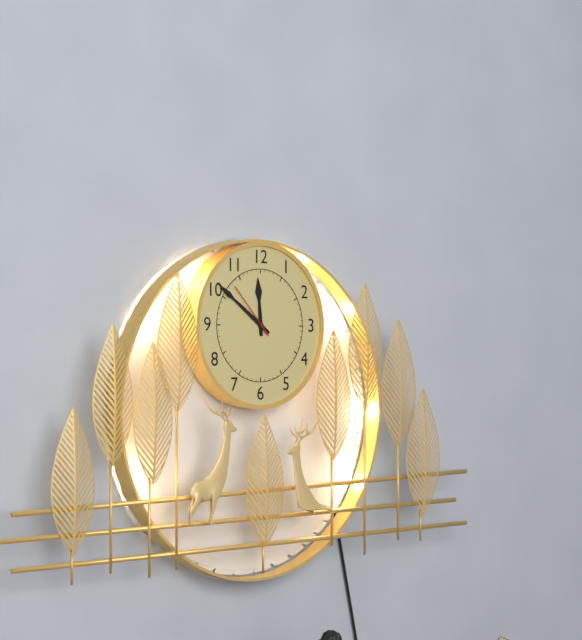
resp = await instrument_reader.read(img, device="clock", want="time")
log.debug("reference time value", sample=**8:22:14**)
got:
**11:51:53**
